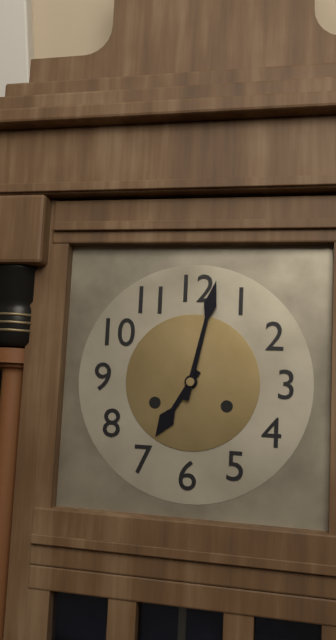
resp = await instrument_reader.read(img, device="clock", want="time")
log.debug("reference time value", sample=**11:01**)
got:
**7:02**
